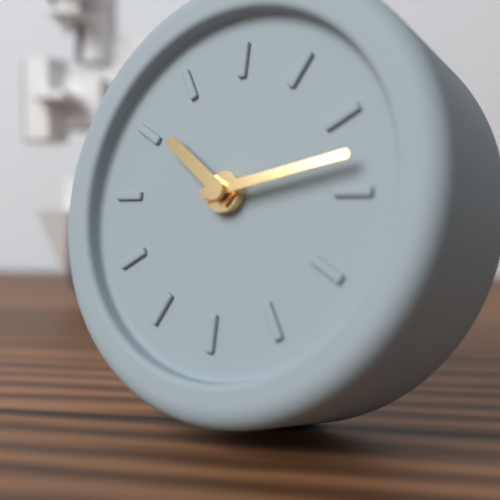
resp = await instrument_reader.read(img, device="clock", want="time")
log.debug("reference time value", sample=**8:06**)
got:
**10:13**
